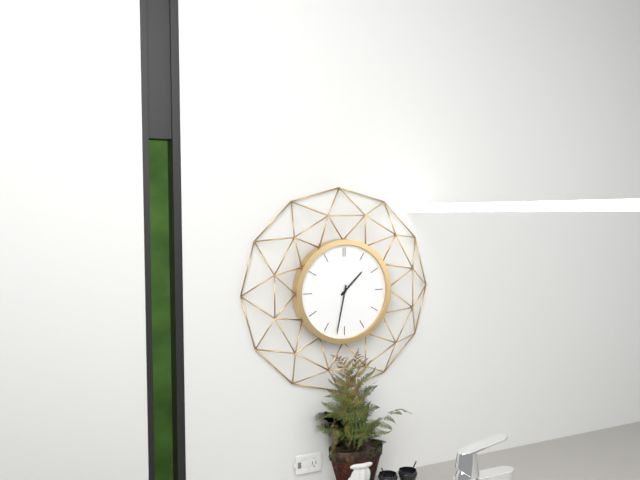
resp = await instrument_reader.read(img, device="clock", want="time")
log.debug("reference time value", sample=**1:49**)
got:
**1:32**
